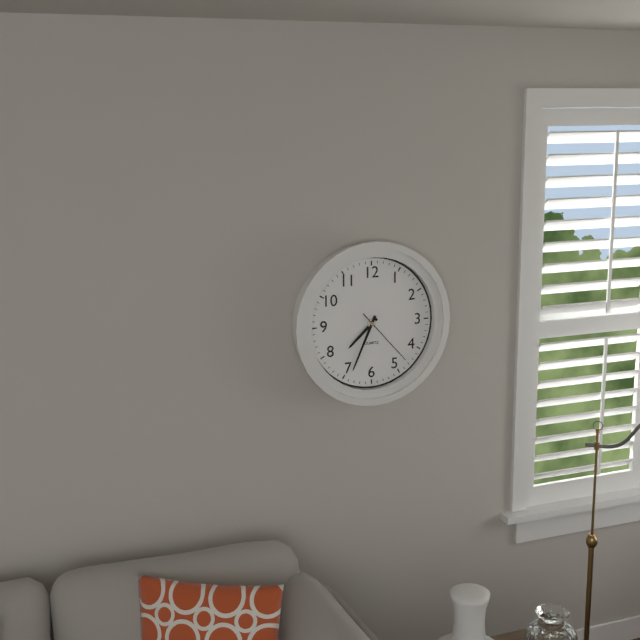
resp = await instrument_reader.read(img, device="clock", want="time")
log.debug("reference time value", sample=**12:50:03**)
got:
**7:34:23**
